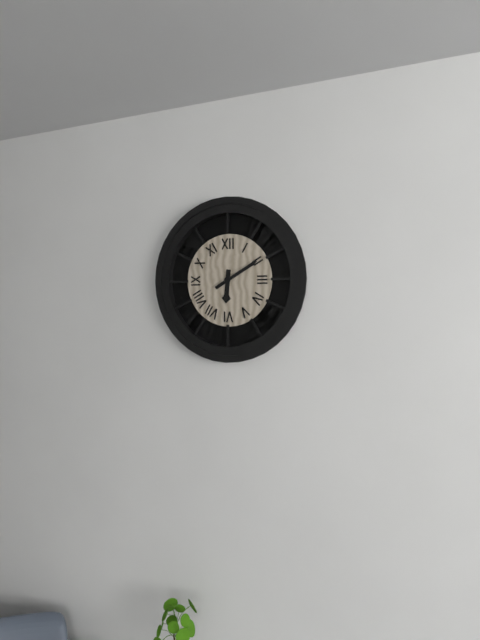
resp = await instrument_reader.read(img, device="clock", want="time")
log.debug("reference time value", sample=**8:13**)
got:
**6:10**
